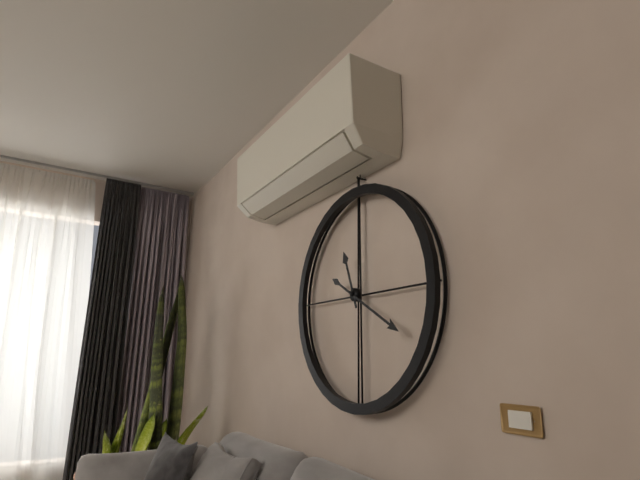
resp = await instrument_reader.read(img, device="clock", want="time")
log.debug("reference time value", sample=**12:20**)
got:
**11:20**
